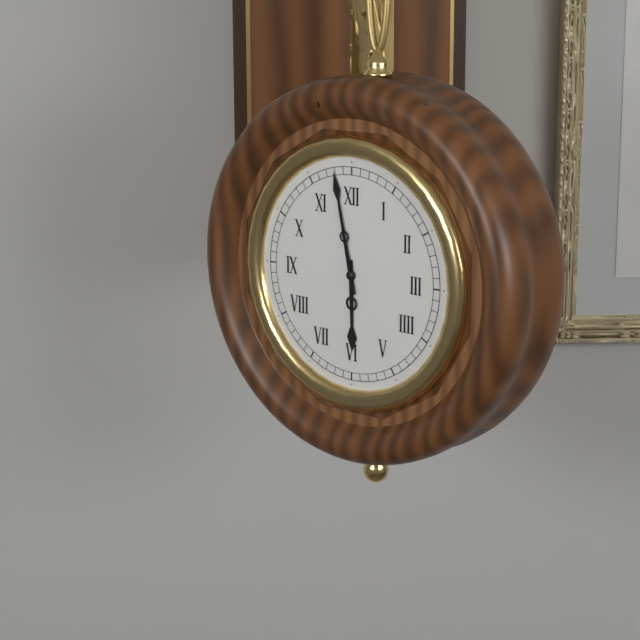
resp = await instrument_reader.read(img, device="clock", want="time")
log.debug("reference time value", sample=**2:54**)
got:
**5:58**
